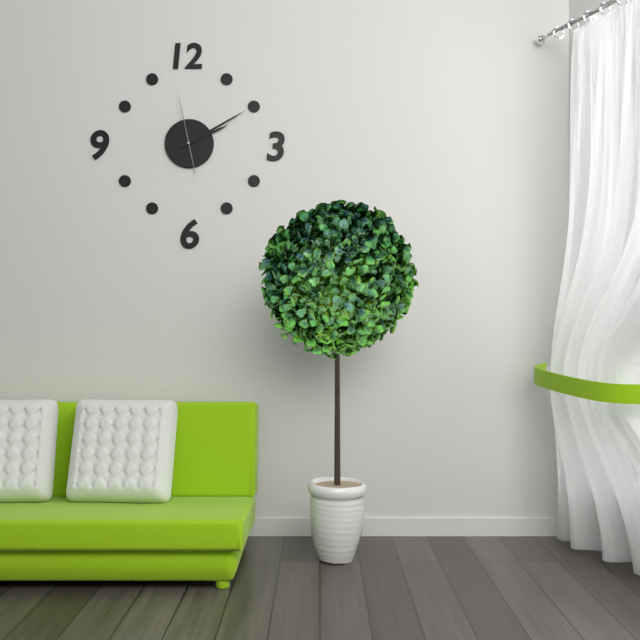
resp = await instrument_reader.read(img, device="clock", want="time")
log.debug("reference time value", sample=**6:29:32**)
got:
**2:10:58**
